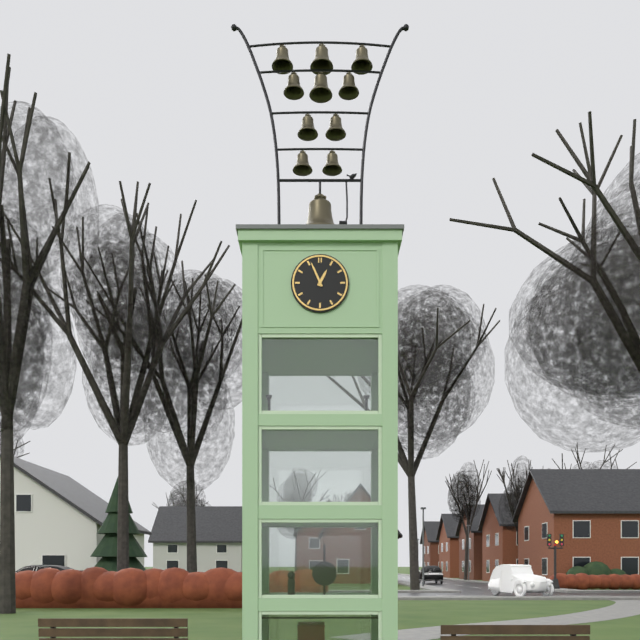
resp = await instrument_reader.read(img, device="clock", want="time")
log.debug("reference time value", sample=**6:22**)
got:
**12:56**
